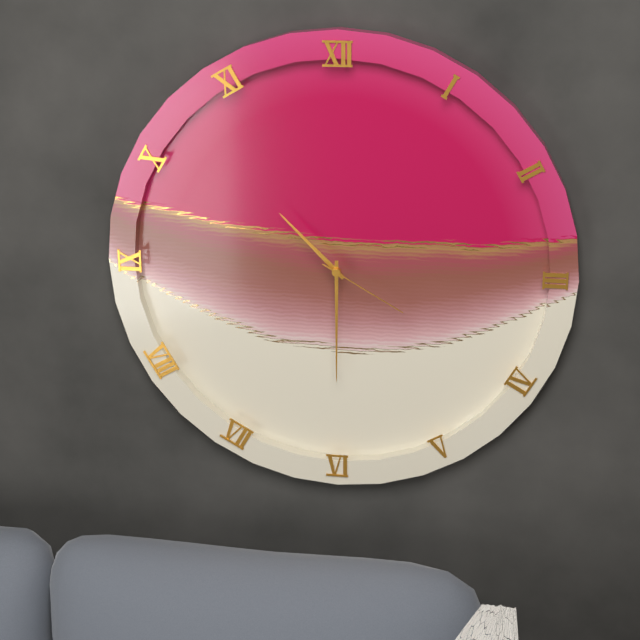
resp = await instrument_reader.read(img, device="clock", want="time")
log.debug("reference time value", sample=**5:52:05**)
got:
**10:30:20**
